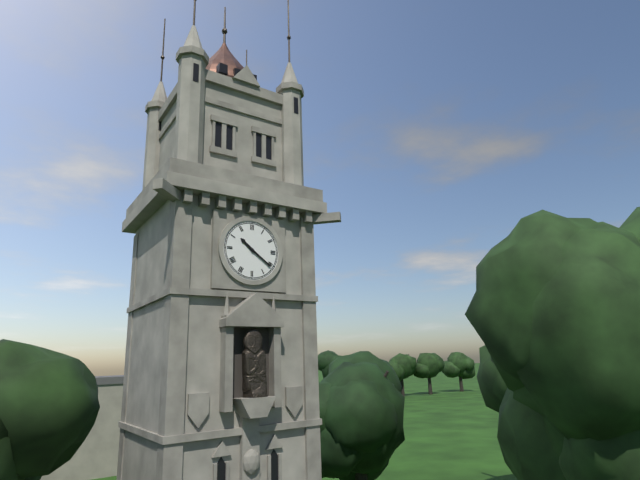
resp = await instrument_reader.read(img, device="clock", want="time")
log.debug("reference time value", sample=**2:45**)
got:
**10:21**
